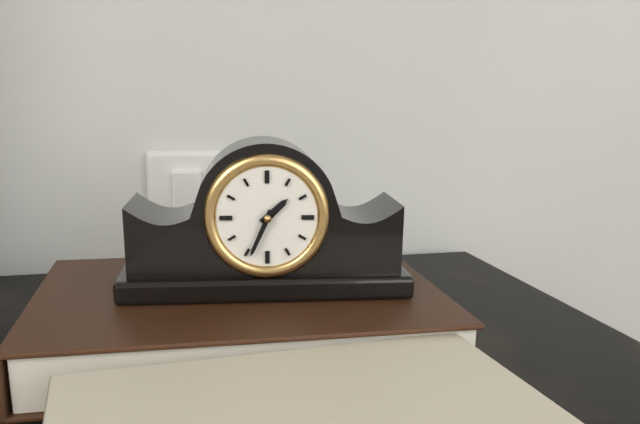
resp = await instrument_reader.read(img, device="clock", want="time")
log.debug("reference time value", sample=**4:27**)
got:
**1:34**
